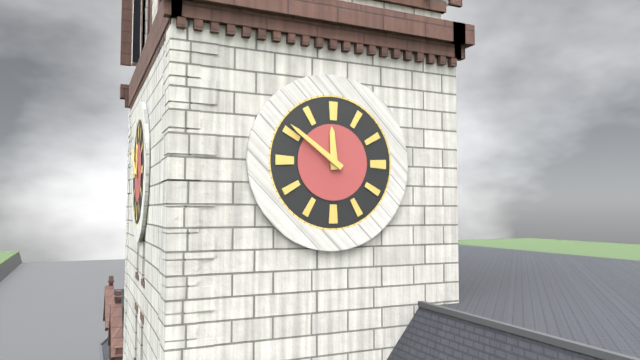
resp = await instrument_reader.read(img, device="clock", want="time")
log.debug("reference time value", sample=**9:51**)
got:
**11:51**
